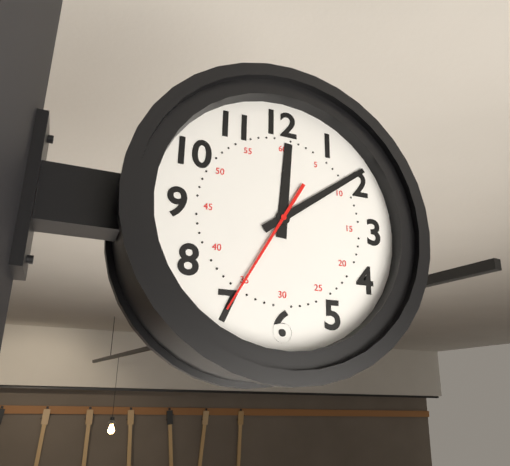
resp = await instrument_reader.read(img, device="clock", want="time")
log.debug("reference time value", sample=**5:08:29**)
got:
**12:09:35**
